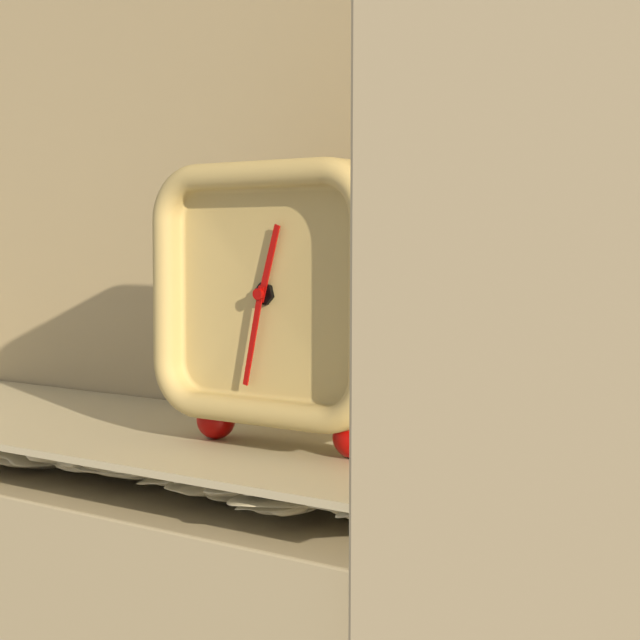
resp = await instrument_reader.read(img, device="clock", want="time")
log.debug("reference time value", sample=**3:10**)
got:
**12:32**
